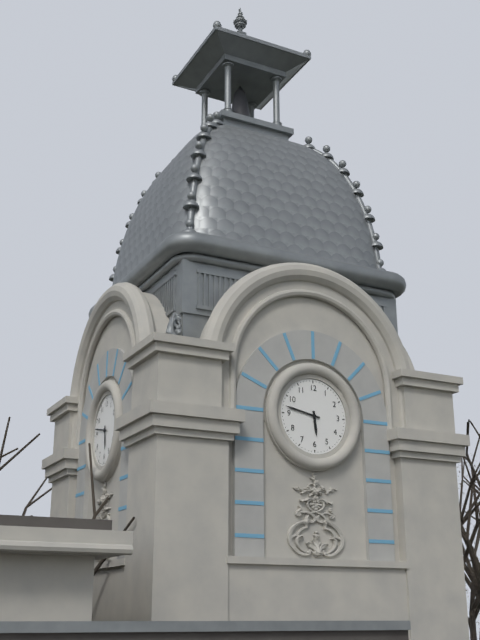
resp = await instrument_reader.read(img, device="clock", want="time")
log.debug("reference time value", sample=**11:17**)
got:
**5:47**
